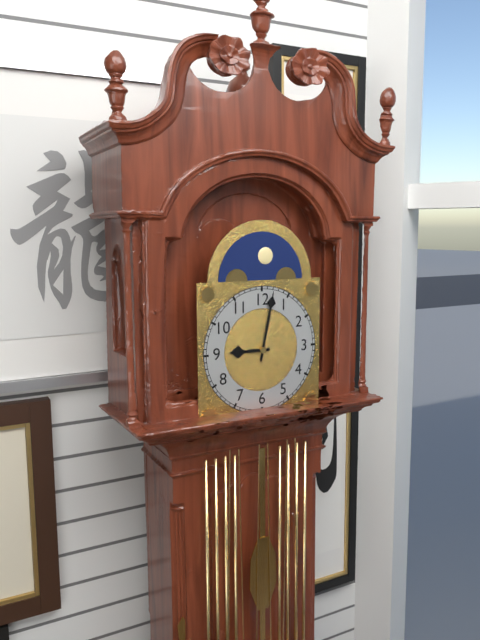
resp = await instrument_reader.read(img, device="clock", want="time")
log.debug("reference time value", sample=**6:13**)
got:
**9:02**
